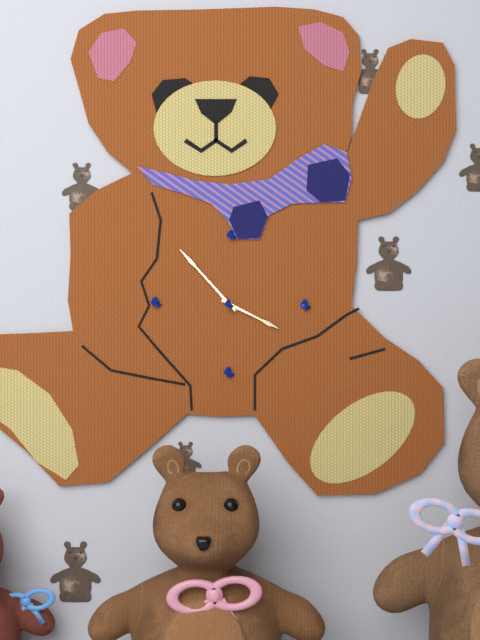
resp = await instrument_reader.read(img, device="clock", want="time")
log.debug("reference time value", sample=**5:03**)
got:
**3:53**
